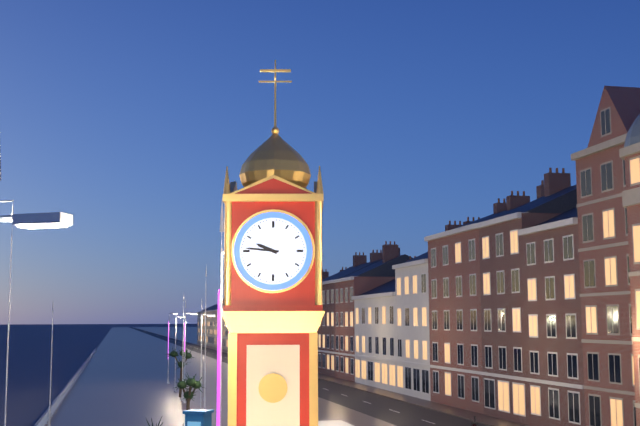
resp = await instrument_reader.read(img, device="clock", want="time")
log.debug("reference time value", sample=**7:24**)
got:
**9:46**
